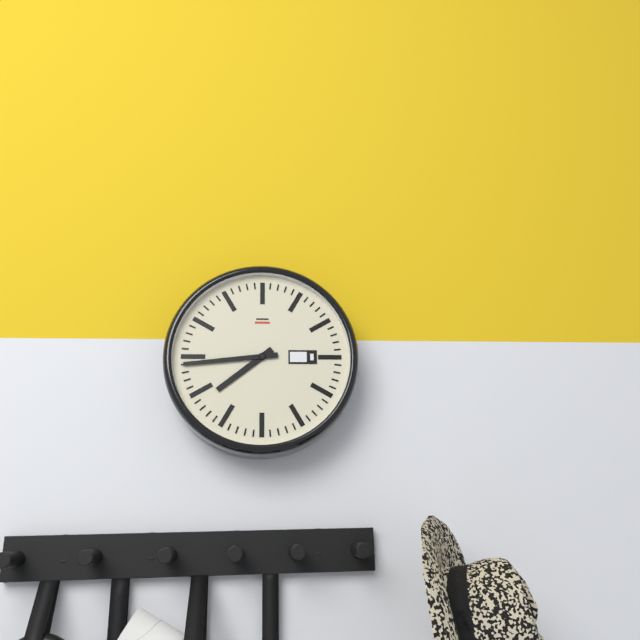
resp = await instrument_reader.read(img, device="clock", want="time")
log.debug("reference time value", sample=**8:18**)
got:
**7:44**
